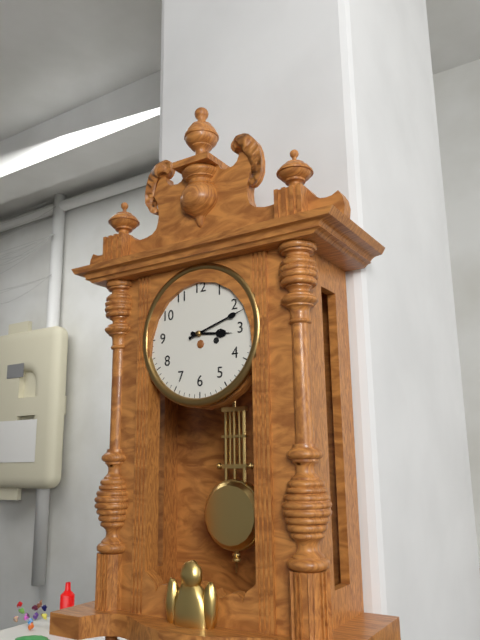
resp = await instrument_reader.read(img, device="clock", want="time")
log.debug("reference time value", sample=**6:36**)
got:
**3:12**
